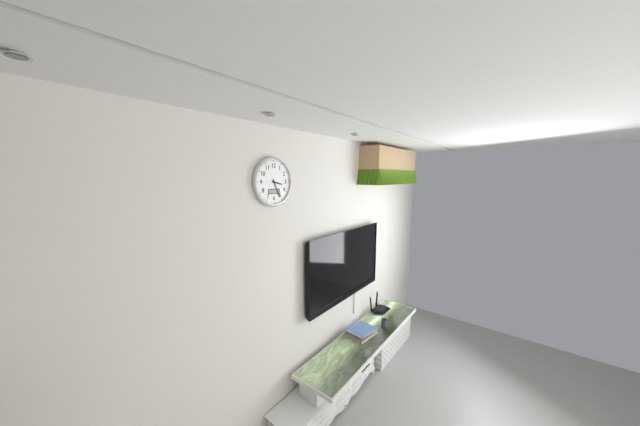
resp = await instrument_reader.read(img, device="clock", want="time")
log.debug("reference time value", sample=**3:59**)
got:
**3:26**
